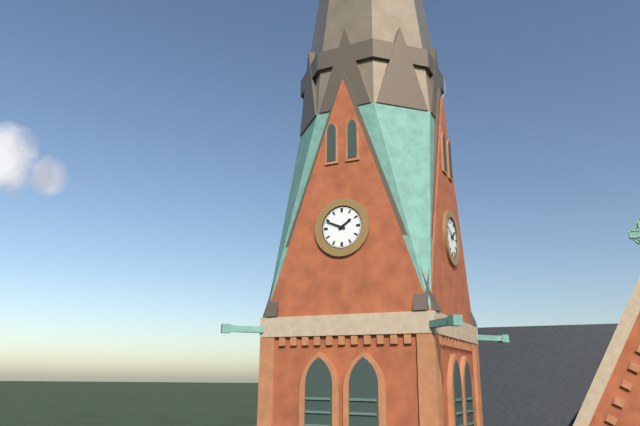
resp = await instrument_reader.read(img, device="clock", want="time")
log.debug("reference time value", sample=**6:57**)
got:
**1:49**
